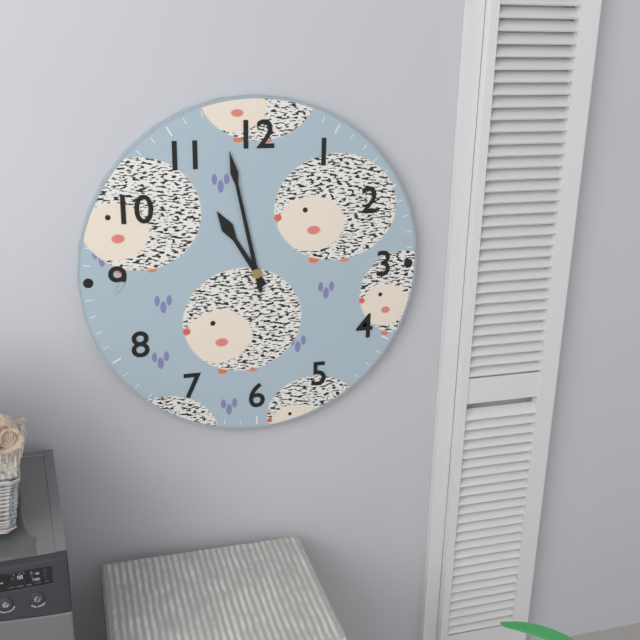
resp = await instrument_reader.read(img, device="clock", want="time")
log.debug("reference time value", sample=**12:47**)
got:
**10:58**
